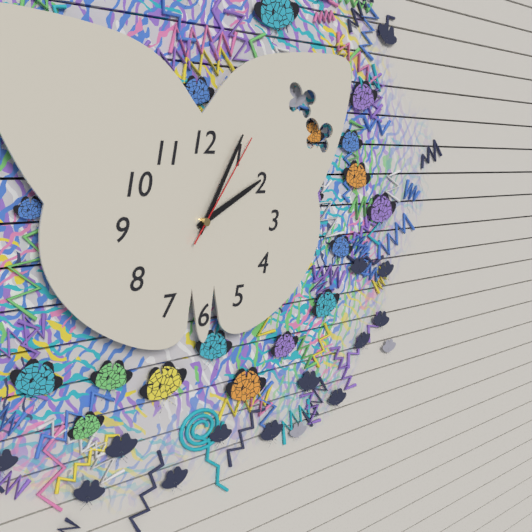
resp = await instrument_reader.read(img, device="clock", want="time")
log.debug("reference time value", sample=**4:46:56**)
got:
**2:05:06**
